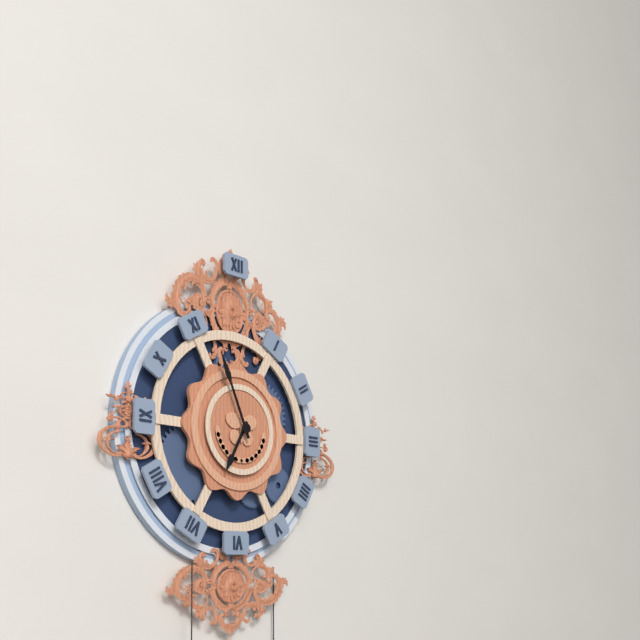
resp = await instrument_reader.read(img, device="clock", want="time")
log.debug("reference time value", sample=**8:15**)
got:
**6:56**
